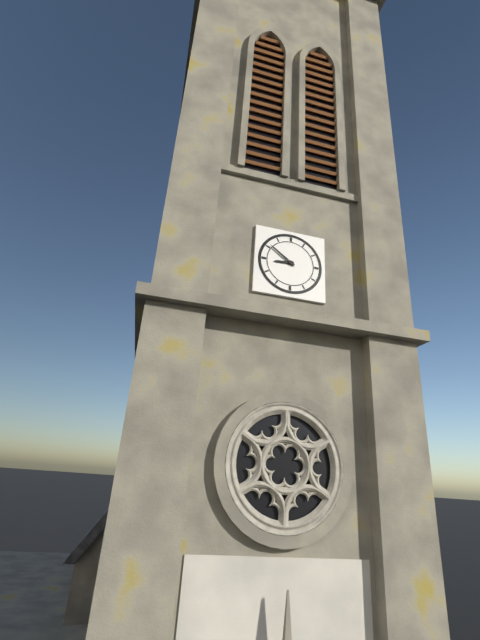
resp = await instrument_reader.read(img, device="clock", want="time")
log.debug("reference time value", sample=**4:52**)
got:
**8:51**
